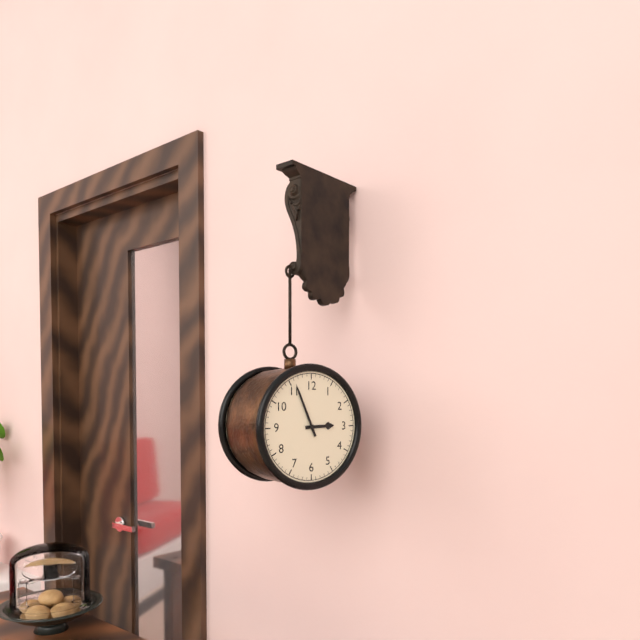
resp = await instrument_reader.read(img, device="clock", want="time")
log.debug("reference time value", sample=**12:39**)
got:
**2:56**
